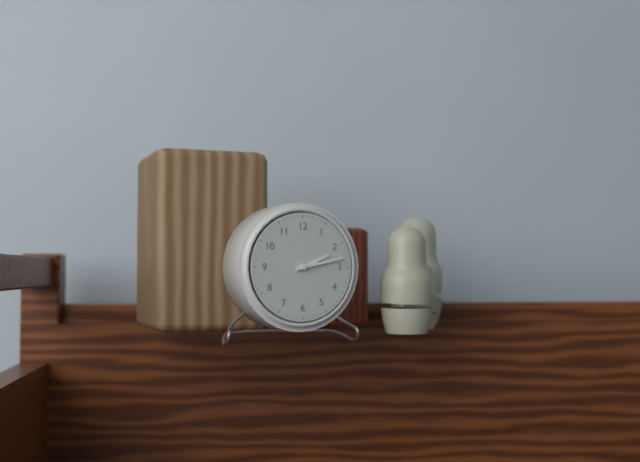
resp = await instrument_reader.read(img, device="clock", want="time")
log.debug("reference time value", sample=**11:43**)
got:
**2:13**
